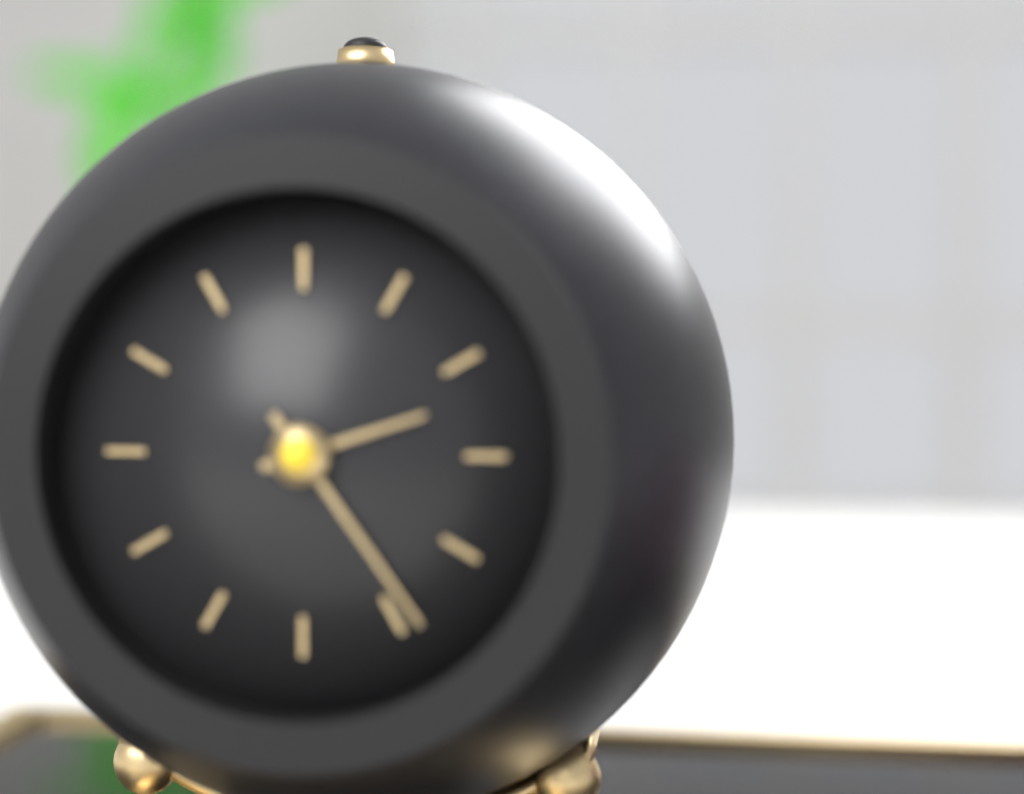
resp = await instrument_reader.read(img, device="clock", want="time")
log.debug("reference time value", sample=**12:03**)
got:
**2:24**
